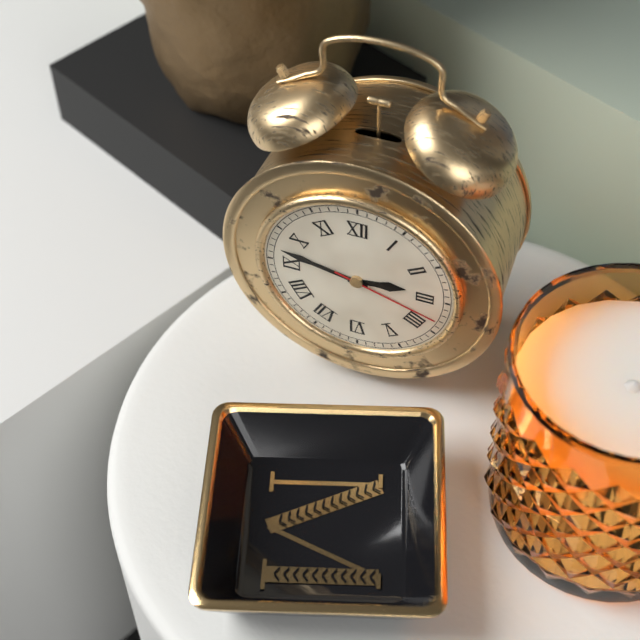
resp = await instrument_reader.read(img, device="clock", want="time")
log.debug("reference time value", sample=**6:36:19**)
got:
**2:47:18**
